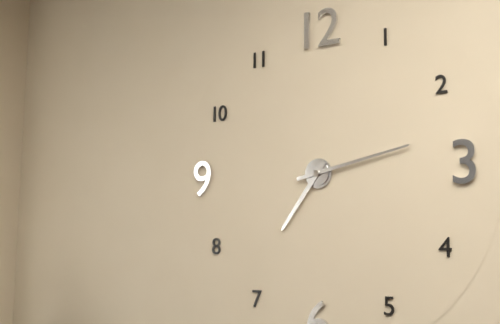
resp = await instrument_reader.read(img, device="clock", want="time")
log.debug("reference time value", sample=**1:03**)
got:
**7:13**
